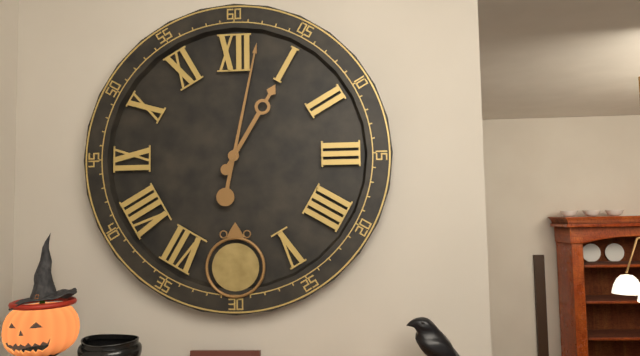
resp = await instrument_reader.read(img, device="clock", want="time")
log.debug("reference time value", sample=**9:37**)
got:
**1:02**
